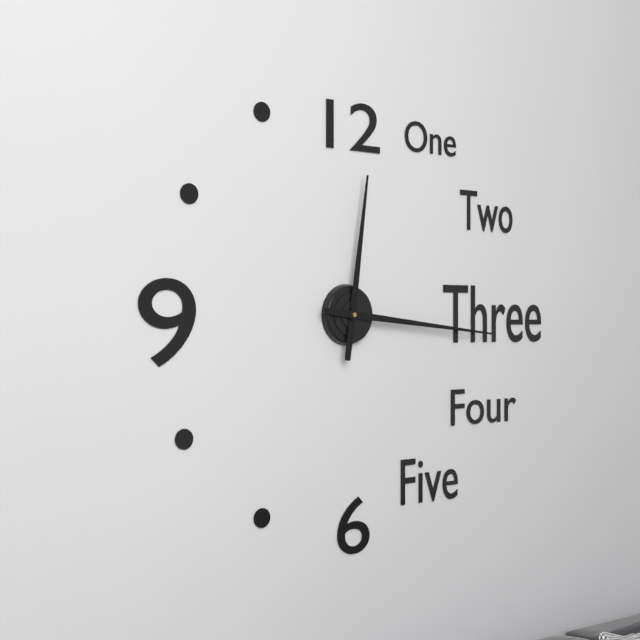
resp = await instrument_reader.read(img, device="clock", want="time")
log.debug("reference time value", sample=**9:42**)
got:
**12:16**
